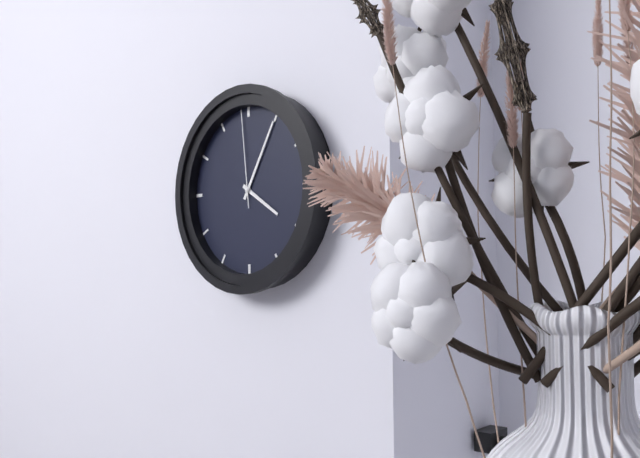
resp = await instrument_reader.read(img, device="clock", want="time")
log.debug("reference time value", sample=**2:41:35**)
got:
**4:05:59**
